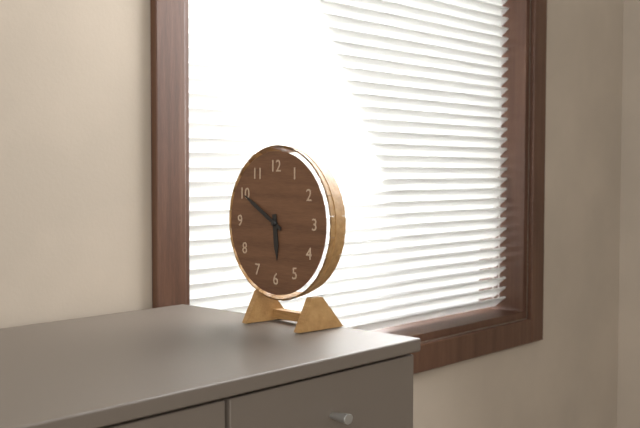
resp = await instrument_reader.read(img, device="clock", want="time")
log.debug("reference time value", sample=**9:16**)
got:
**5:50**
